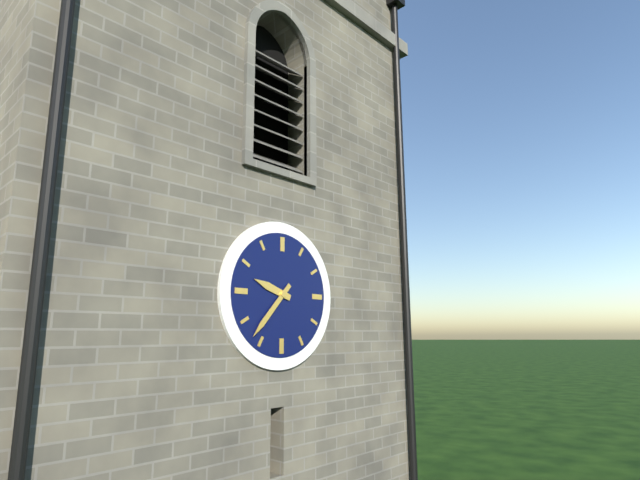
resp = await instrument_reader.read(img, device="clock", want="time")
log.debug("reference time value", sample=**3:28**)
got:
**9:37**
